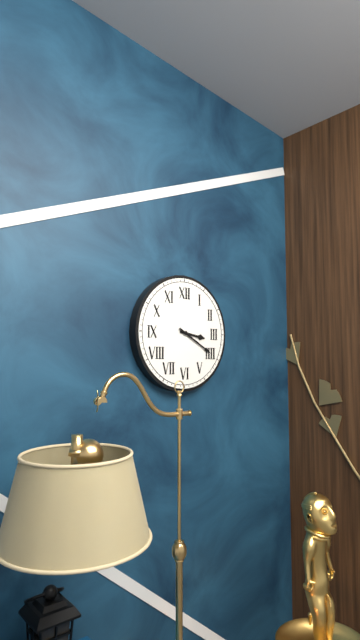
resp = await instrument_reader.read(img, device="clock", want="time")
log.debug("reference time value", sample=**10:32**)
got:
**3:20**
